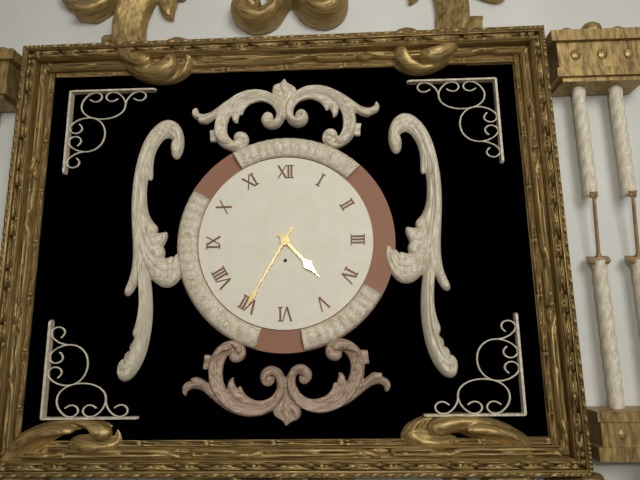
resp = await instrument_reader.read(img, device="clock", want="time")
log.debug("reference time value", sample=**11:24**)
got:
**4:35**
